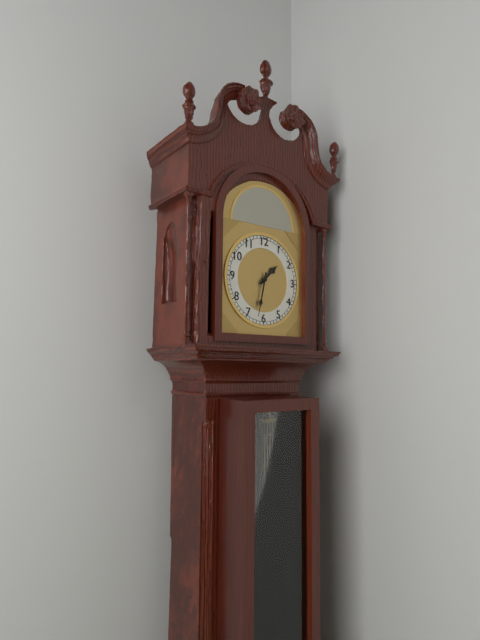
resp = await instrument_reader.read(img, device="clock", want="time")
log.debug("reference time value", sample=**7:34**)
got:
**1:32**
